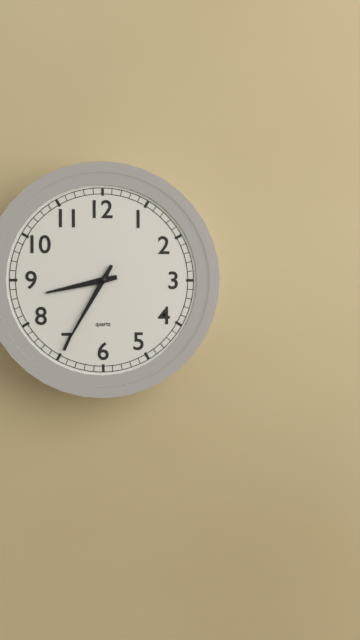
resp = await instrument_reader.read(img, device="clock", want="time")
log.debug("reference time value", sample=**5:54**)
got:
**8:35**
